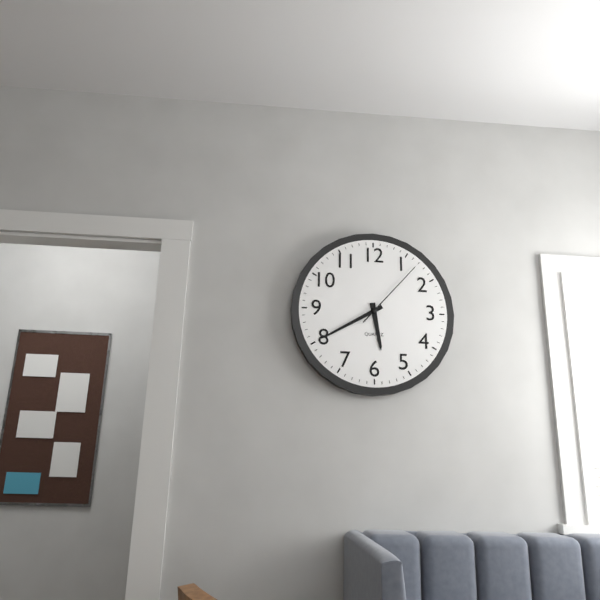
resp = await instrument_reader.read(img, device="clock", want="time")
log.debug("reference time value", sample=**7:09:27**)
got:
**5:40:07**
